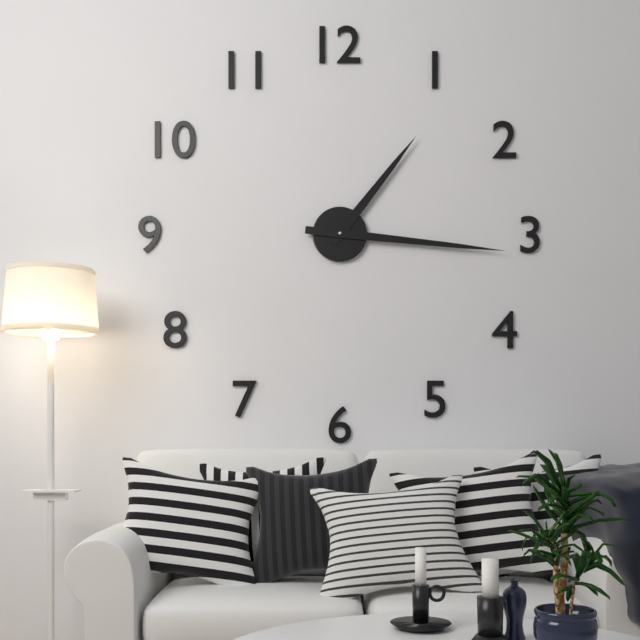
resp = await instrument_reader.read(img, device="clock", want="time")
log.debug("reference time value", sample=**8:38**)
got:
**1:16**
